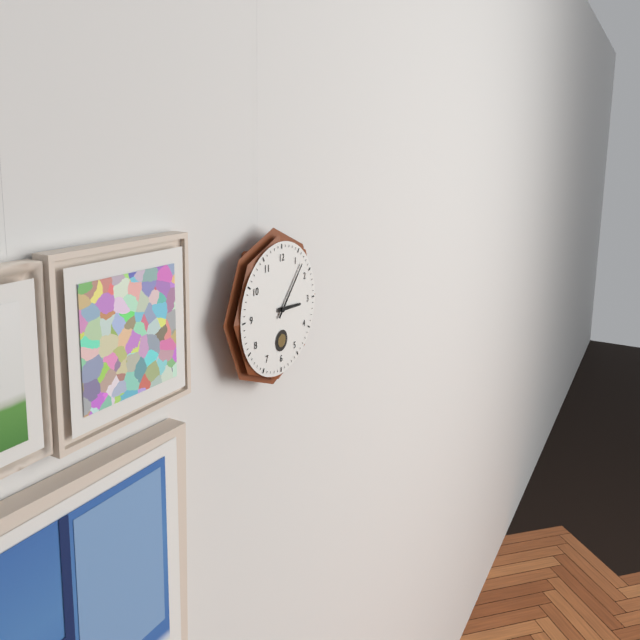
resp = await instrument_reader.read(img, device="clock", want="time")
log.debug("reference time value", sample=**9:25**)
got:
**3:07**
